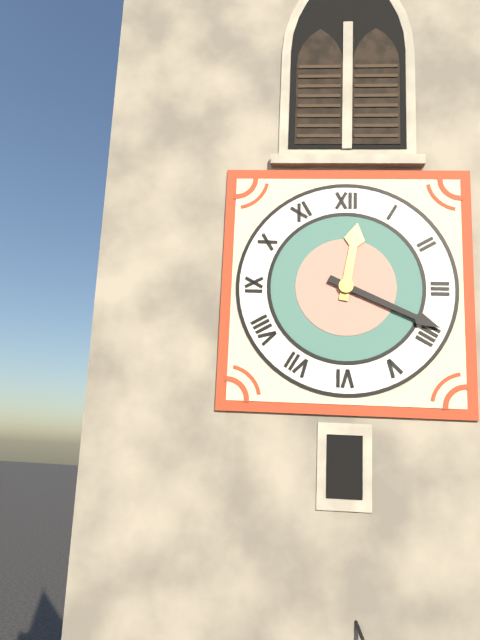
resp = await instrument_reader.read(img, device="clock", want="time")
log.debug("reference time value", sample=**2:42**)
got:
**12:19**
